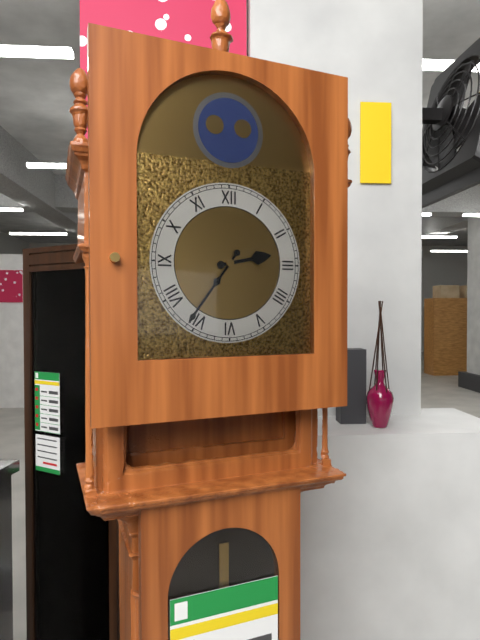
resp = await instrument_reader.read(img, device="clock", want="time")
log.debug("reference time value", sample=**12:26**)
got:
**2:36**
